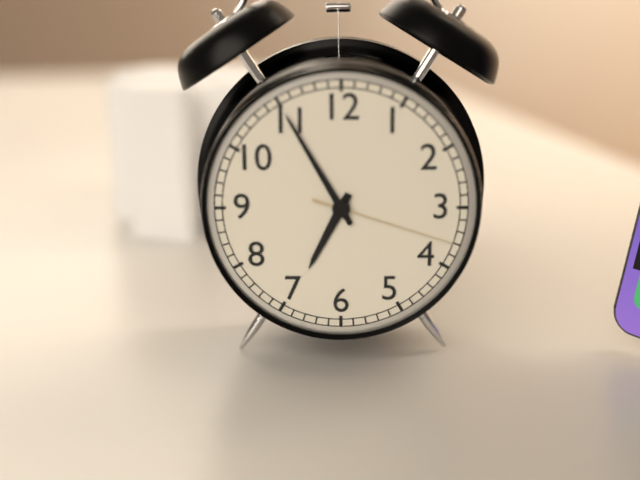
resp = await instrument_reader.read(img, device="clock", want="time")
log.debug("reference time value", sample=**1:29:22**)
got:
**6:55:18**
